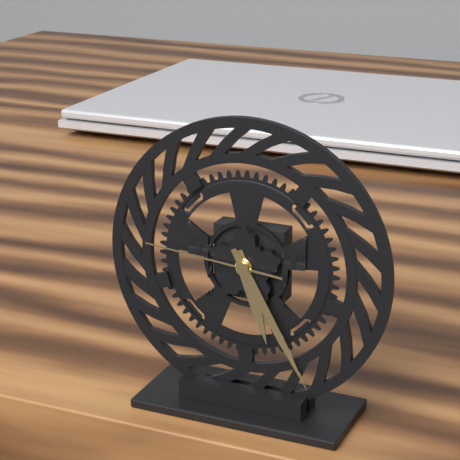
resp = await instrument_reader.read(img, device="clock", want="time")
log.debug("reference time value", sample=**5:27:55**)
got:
**5:25:46**
